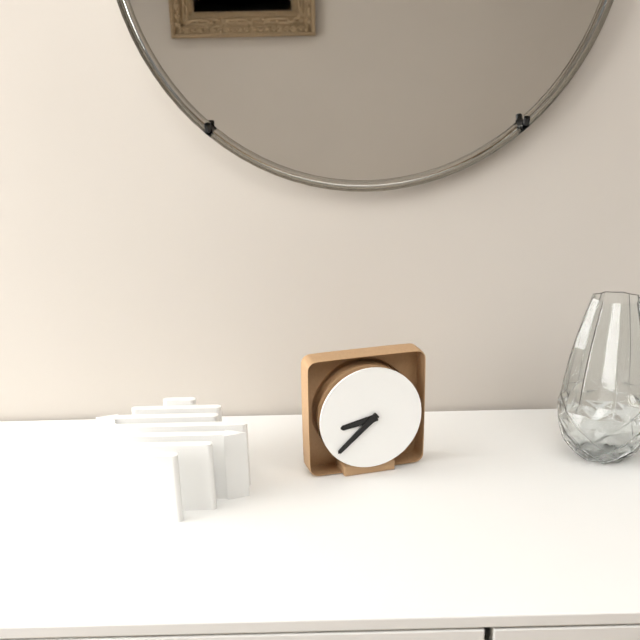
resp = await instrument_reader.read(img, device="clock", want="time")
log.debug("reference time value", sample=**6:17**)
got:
**8:38**
